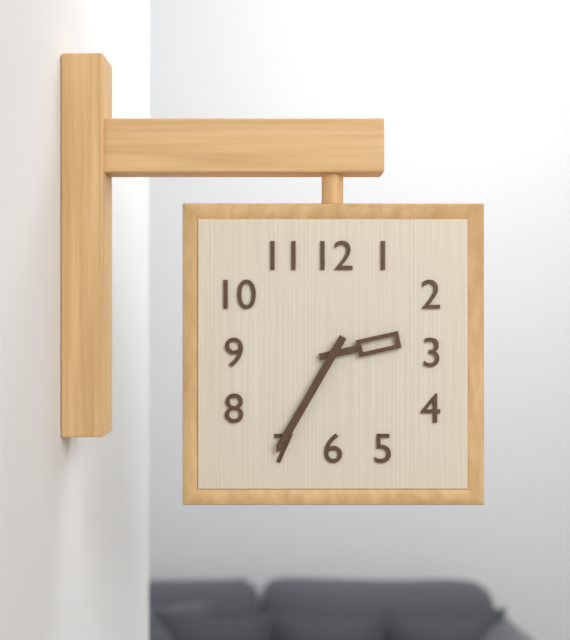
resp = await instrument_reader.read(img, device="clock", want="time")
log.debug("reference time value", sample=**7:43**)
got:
**2:35**
